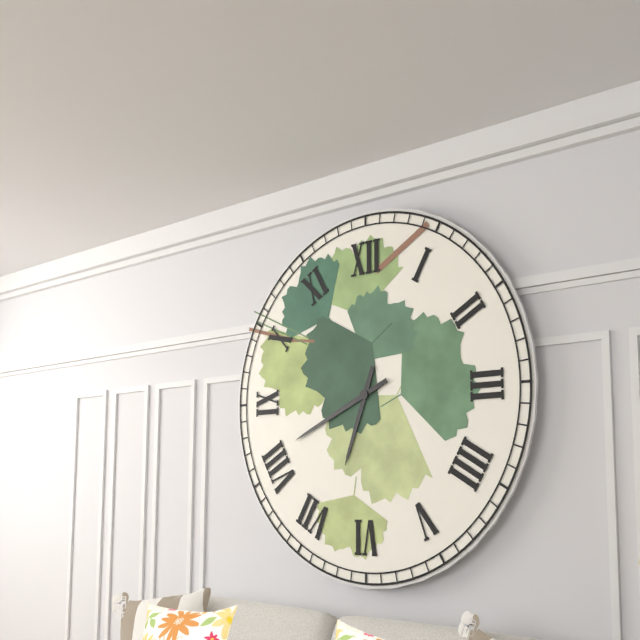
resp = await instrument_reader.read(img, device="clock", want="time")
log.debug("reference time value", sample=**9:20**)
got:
**6:41**
